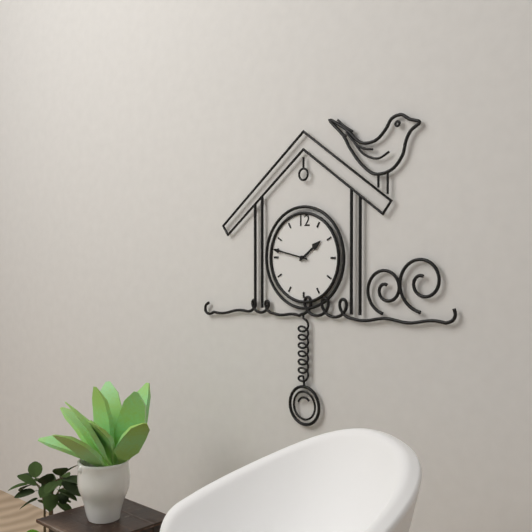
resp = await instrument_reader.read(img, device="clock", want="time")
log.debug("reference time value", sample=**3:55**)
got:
**1:47**
